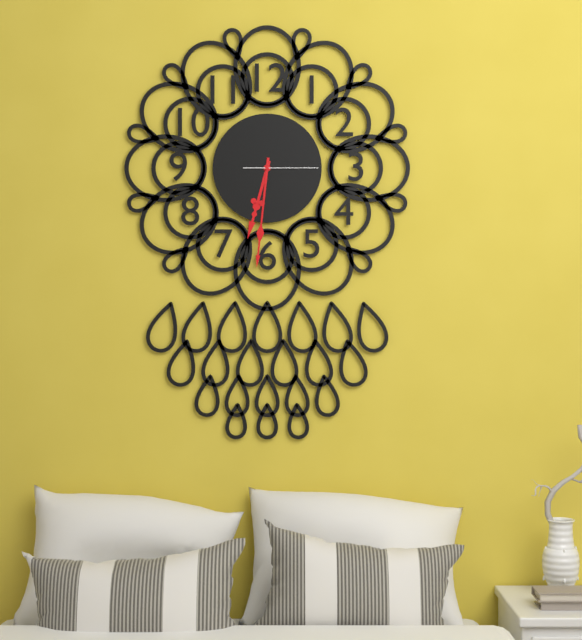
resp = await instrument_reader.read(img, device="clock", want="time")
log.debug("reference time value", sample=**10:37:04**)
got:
**6:31:15**
